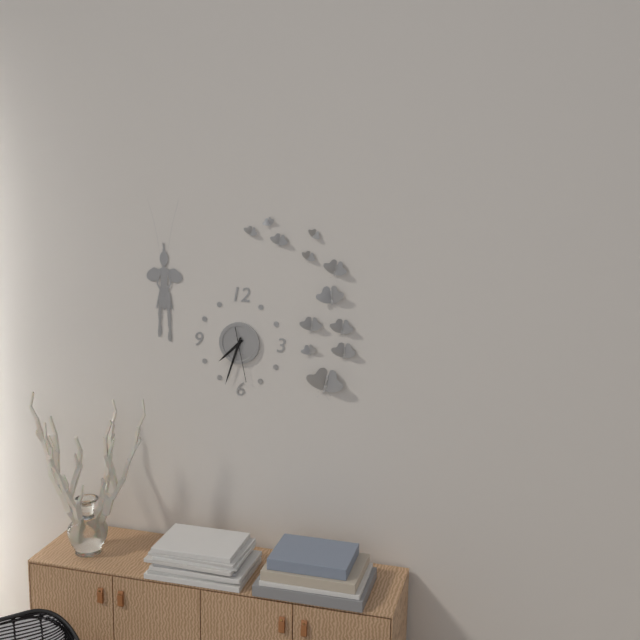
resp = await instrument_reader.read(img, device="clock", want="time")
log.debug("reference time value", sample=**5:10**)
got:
**7:33**
